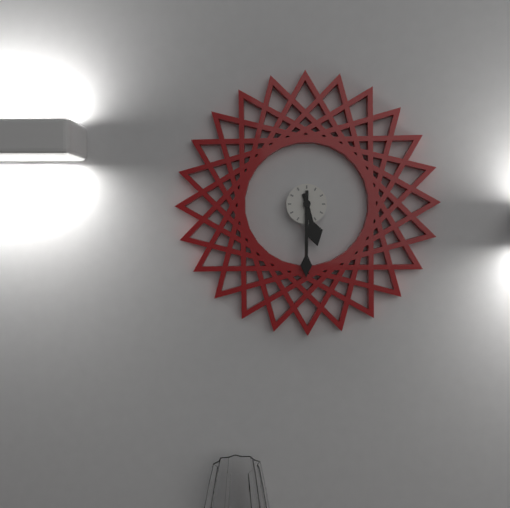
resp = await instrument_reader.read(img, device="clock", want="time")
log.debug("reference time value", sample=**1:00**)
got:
**5:30**
